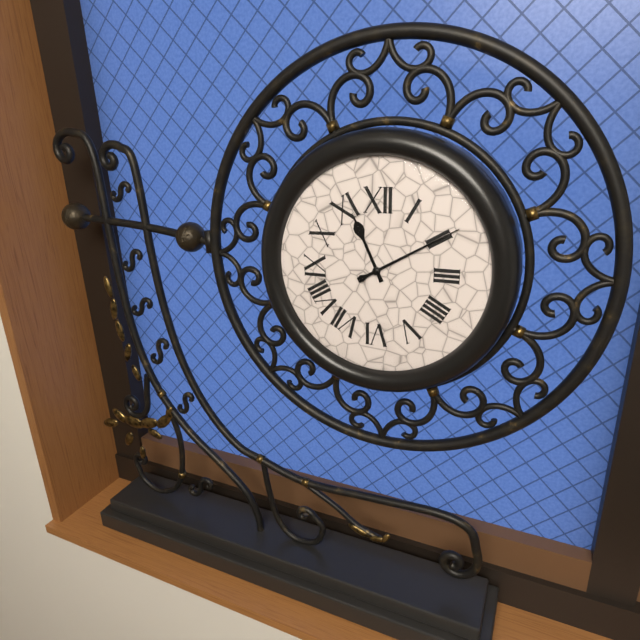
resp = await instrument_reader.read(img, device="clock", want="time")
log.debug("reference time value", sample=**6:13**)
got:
**11:10**
